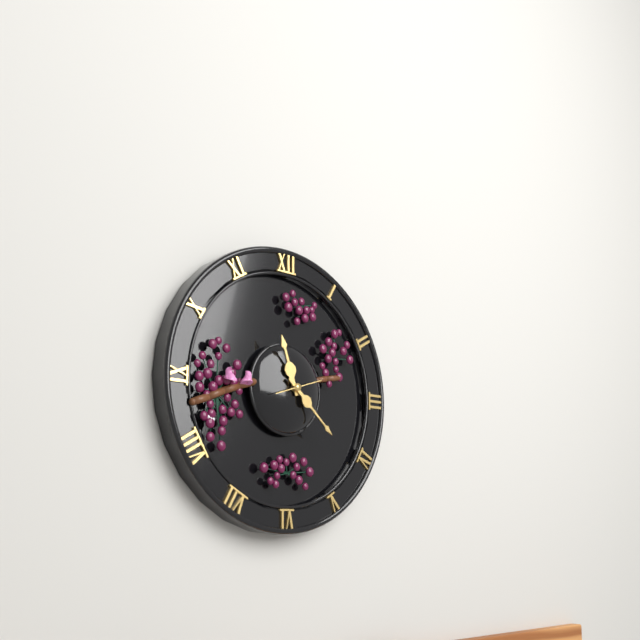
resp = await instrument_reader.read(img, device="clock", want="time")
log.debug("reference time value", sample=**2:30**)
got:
**11:22**
